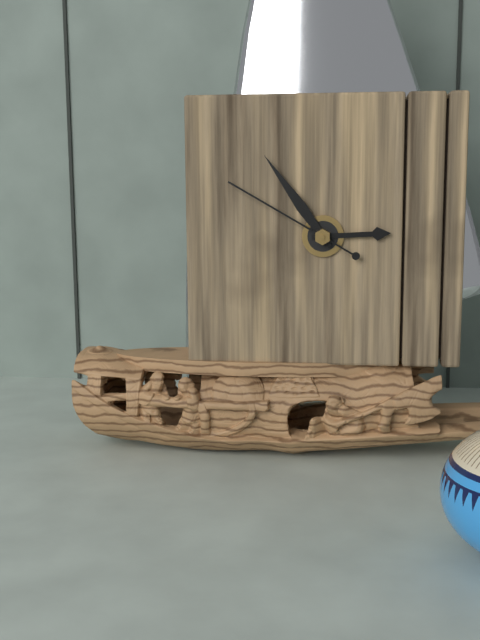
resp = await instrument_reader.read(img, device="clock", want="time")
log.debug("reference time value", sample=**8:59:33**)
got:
**2:54:50**
